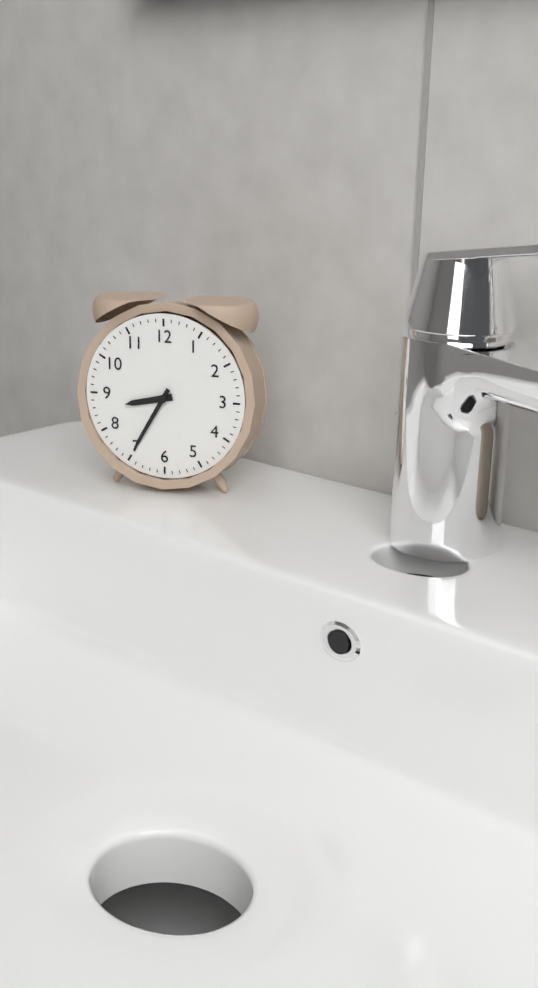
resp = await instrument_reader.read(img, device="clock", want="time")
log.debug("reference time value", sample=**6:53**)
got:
**8:35**
